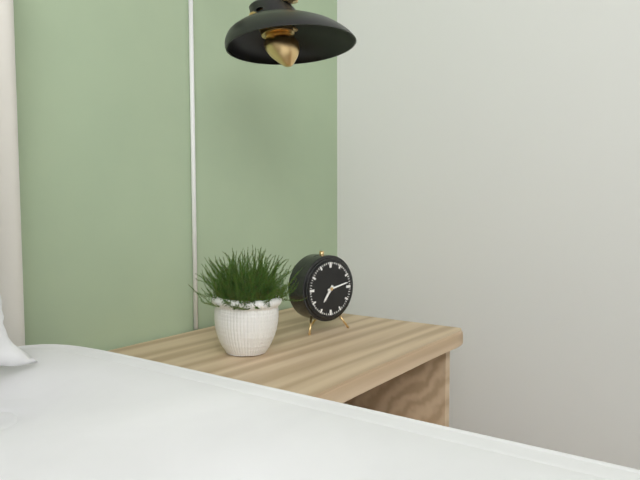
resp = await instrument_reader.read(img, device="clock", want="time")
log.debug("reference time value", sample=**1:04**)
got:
**7:13**
